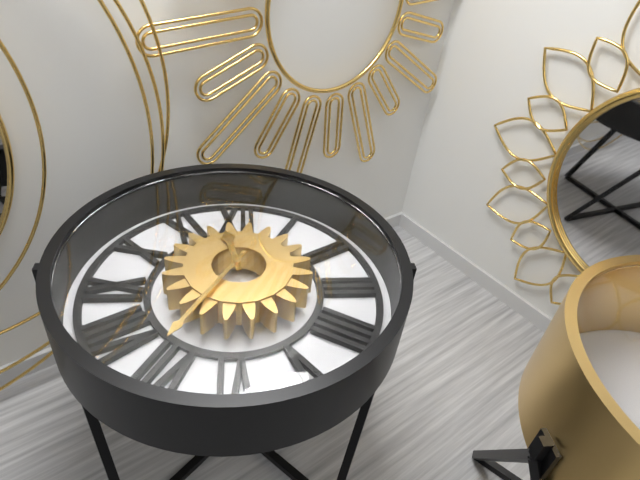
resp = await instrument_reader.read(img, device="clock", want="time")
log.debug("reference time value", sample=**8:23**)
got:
**11:35**
